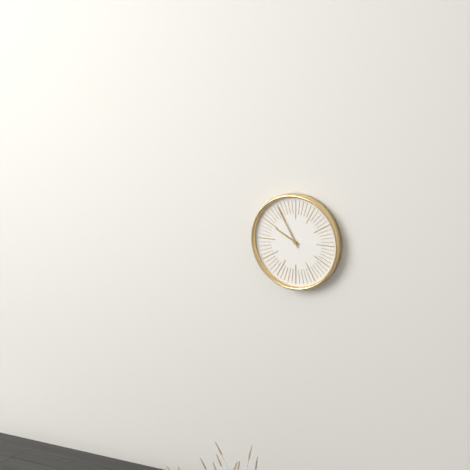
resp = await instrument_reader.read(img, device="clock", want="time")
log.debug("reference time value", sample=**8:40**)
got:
**9:55**
